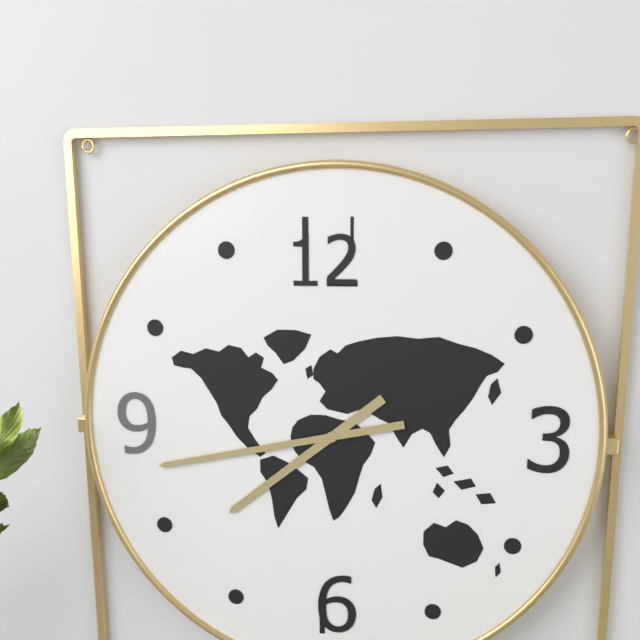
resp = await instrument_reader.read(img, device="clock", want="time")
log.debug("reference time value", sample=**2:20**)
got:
**7:43**
